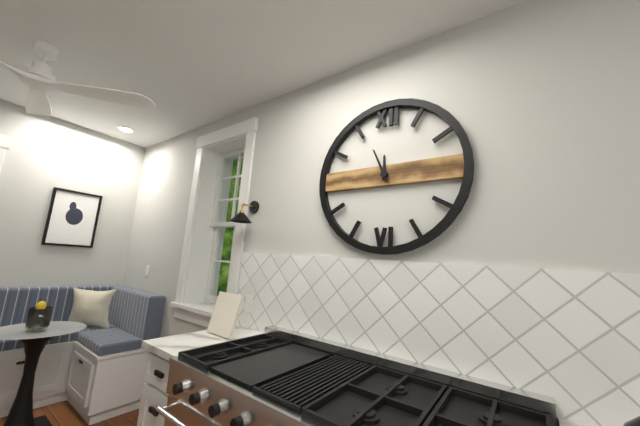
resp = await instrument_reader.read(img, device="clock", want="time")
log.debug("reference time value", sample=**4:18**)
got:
**11:56**
